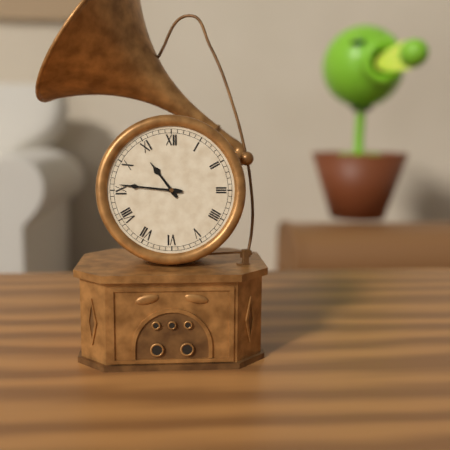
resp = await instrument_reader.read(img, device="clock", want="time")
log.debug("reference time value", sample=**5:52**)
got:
**10:46**
